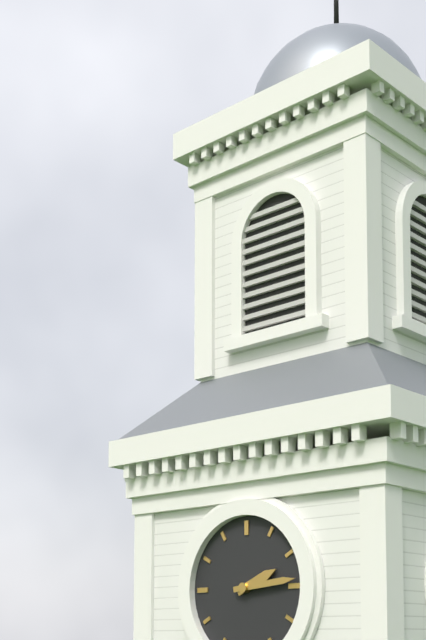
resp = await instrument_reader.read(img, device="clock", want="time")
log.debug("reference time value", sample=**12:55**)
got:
**2:14**
